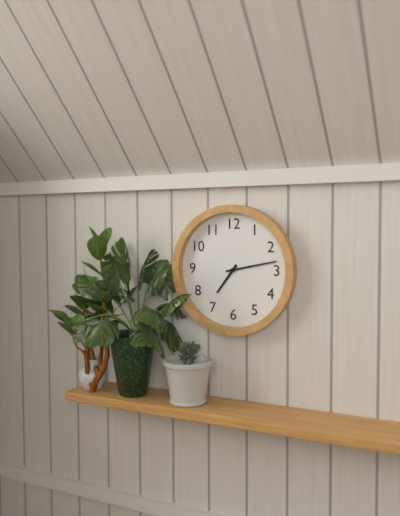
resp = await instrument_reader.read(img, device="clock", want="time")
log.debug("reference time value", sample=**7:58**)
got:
**7:13**
